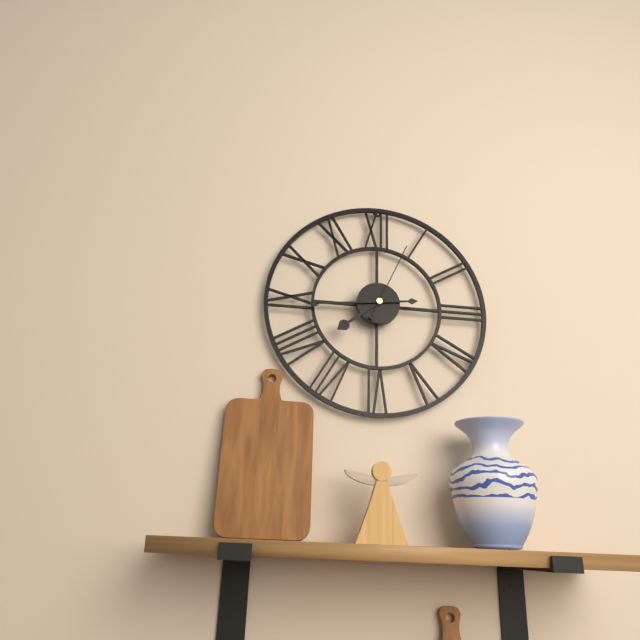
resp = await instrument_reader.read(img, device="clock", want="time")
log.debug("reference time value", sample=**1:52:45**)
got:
**7:44:04**
